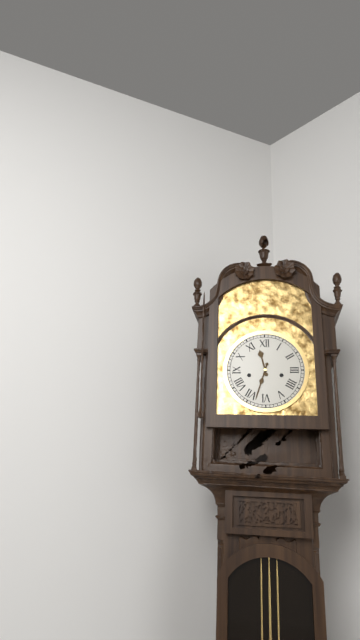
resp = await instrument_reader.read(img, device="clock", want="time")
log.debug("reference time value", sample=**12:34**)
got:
**11:33**
